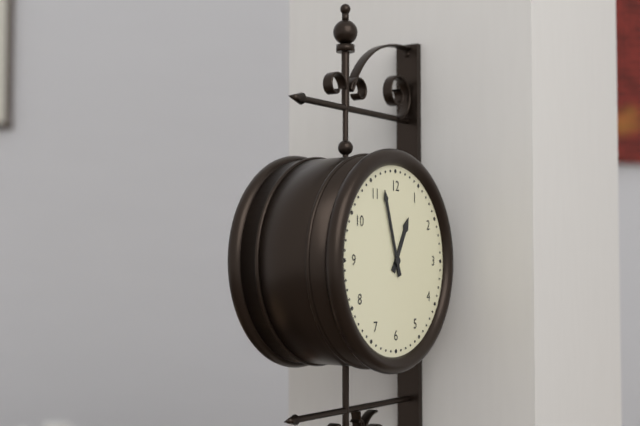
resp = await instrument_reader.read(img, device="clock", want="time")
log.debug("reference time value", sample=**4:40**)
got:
**12:57**
